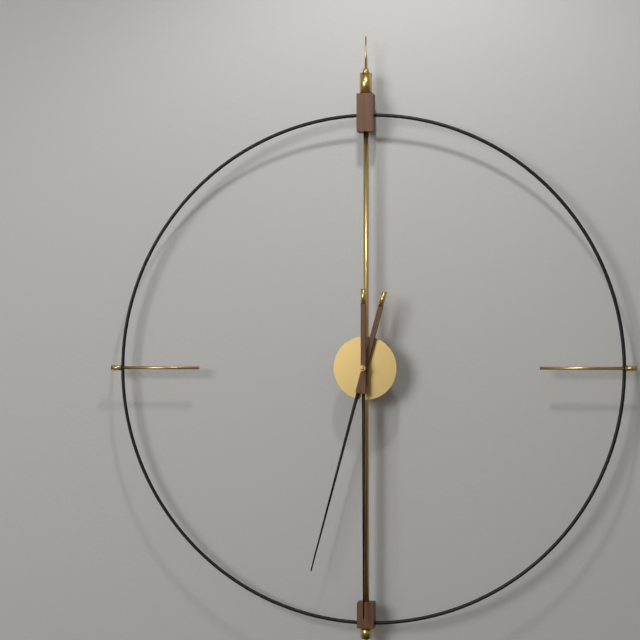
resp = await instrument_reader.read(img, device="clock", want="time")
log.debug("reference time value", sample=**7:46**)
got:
**6:30**
